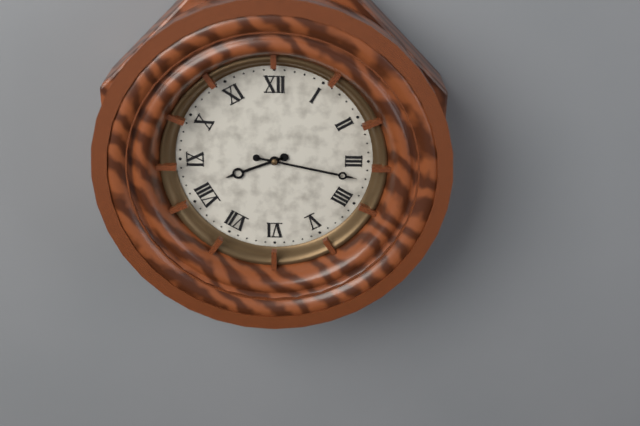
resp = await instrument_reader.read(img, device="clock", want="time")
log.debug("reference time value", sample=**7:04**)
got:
**8:17**
